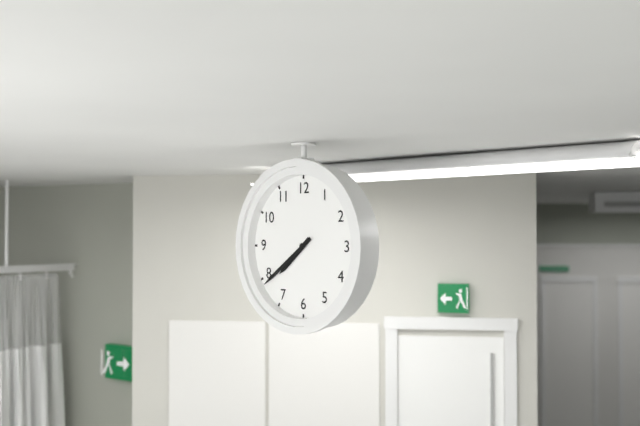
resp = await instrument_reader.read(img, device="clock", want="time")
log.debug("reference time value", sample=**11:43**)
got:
**7:39**
